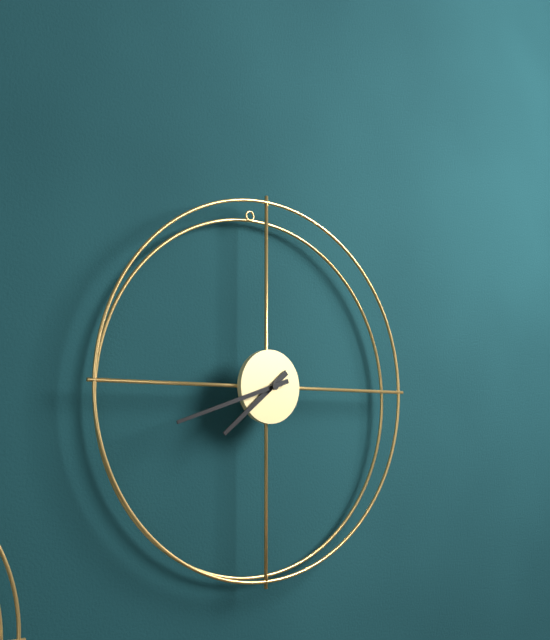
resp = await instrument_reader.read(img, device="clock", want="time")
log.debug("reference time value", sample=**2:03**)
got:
**7:42**
